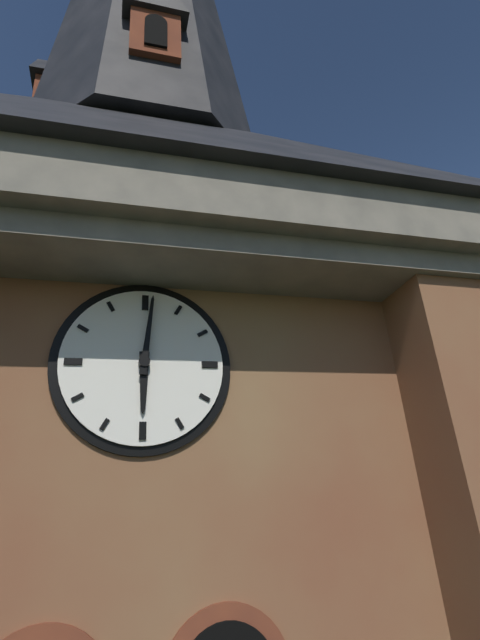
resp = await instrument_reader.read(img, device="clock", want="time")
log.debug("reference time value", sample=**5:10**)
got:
**6:01**
